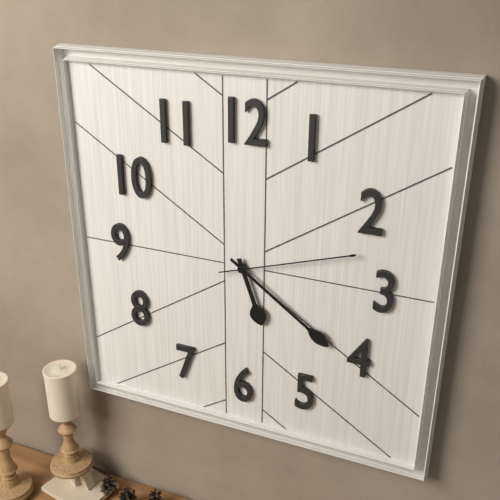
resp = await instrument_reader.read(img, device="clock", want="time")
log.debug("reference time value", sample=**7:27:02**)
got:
**5:21:12**
